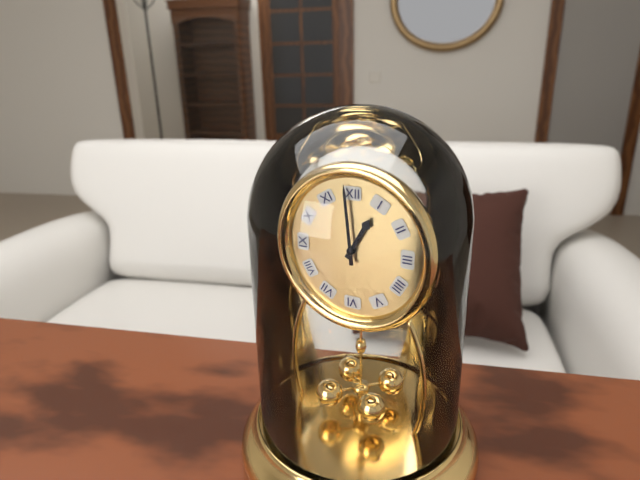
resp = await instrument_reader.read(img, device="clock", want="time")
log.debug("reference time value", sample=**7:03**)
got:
**12:59**
